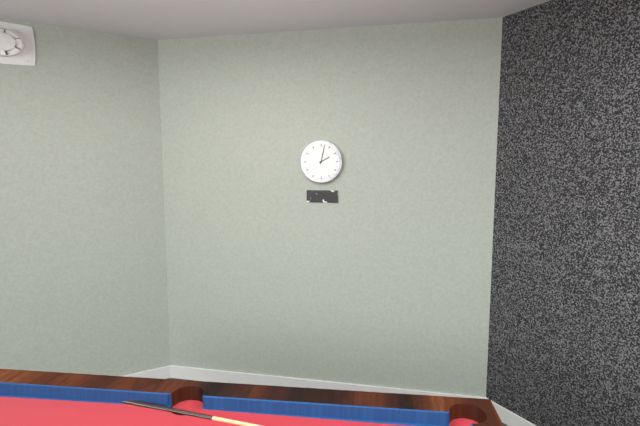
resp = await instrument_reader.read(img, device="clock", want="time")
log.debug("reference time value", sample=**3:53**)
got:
**2:02**
